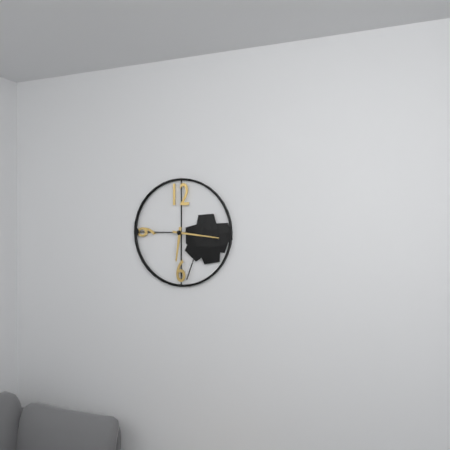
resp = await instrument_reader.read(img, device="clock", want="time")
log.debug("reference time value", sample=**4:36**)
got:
**6:16**
